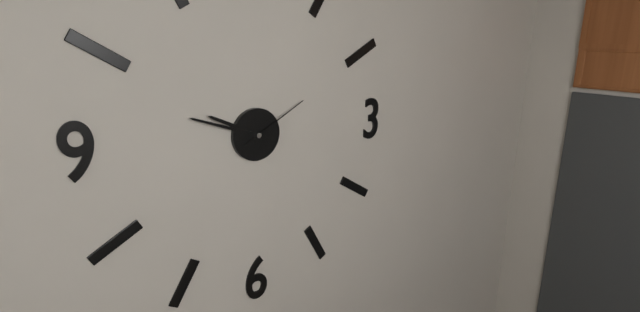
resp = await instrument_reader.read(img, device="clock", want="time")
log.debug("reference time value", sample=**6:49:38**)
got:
**9:48:10**
